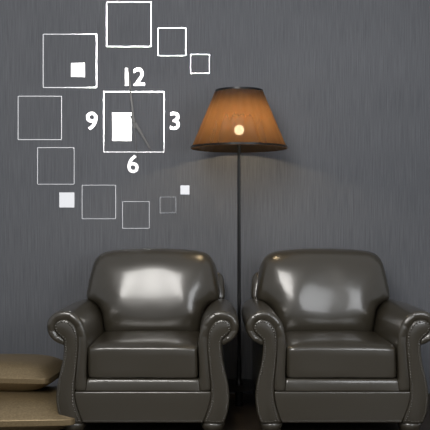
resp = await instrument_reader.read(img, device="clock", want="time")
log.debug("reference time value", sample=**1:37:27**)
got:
**4:59:29**
